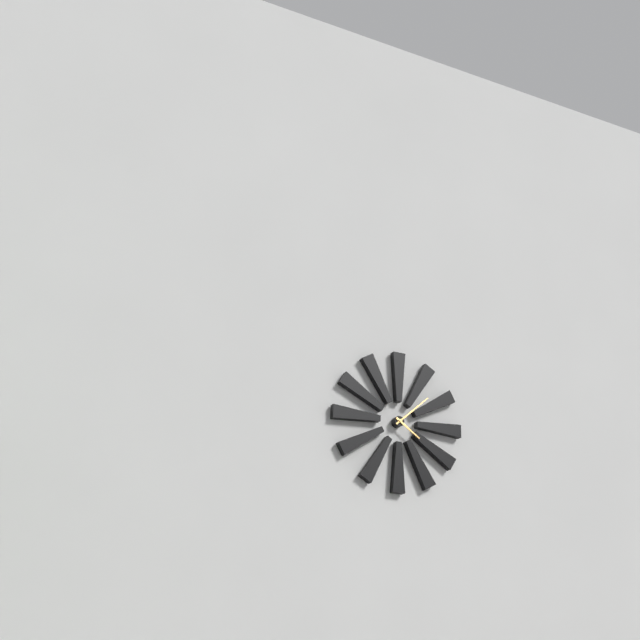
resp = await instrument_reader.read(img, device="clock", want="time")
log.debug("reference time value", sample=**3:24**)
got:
**4:08**
